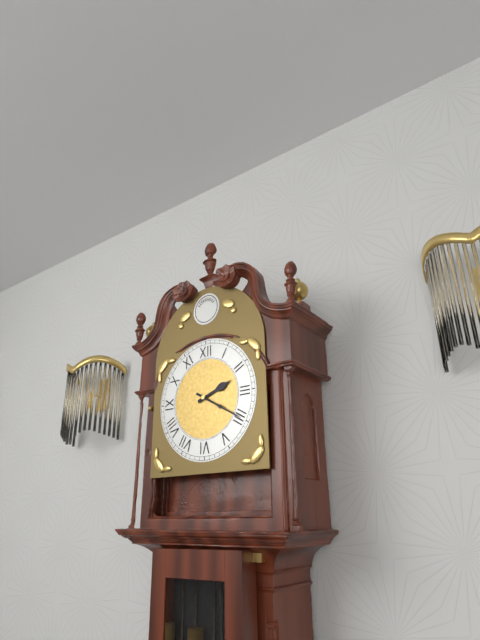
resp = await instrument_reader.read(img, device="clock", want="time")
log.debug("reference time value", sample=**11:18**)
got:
**2:20**
